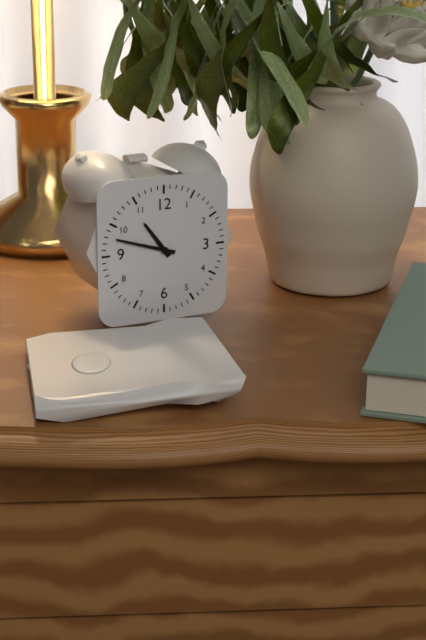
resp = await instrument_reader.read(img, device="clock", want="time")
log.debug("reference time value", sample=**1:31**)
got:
**10:48**
